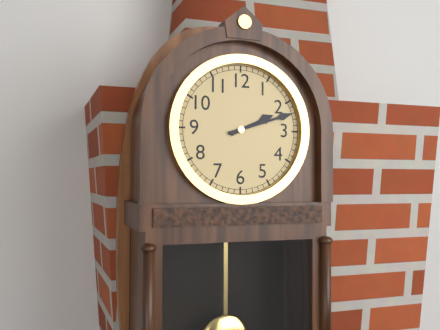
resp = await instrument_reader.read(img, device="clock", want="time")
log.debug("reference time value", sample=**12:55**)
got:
**2:12**
